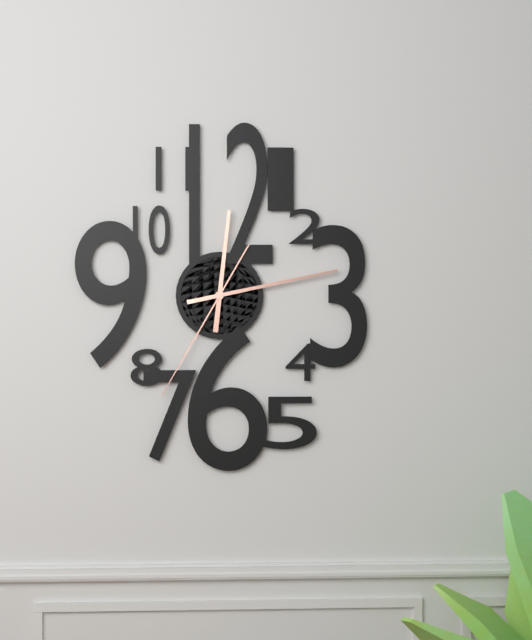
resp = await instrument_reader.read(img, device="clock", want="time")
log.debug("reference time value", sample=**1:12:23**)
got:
**12:13:35**
